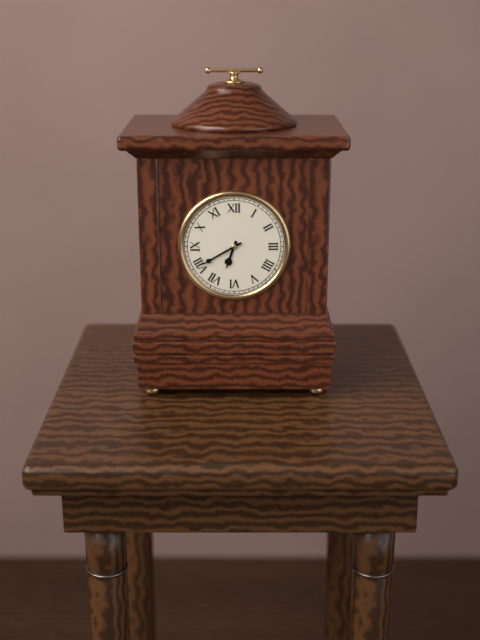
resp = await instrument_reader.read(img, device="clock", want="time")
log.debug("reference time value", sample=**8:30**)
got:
**6:40**
